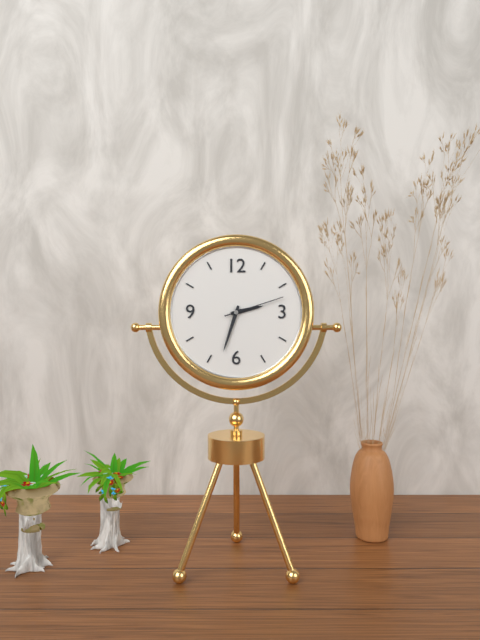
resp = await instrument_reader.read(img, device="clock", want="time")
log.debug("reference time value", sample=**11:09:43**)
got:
**2:33:12**
